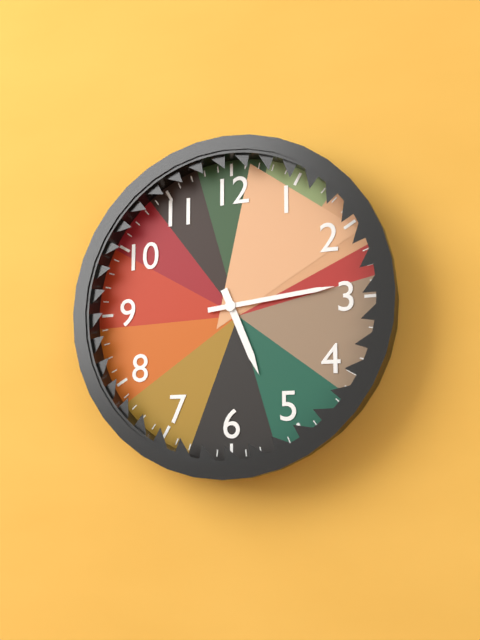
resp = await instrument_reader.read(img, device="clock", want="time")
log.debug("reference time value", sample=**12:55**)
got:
**5:14**
